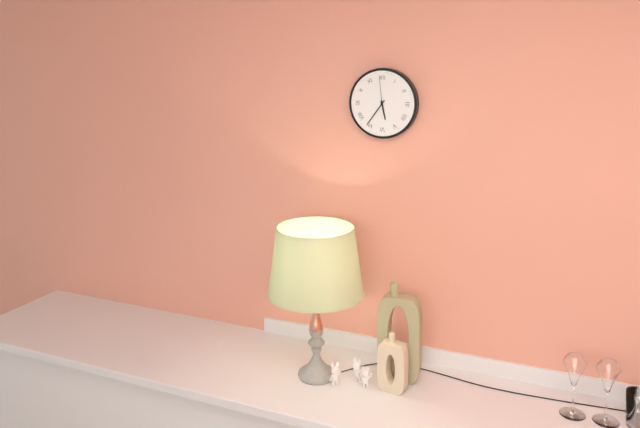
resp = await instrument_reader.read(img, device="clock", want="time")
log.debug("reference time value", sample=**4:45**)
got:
**5:36**
